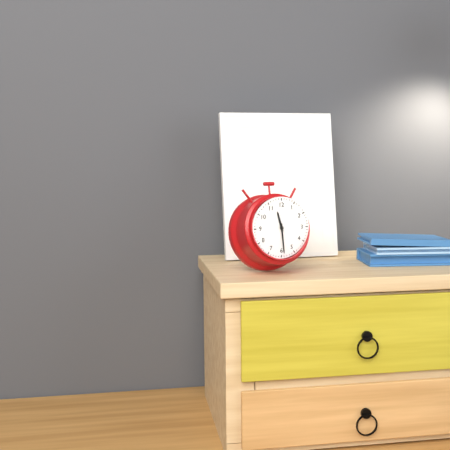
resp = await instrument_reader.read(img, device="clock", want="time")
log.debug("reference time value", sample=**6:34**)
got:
**11:29**
